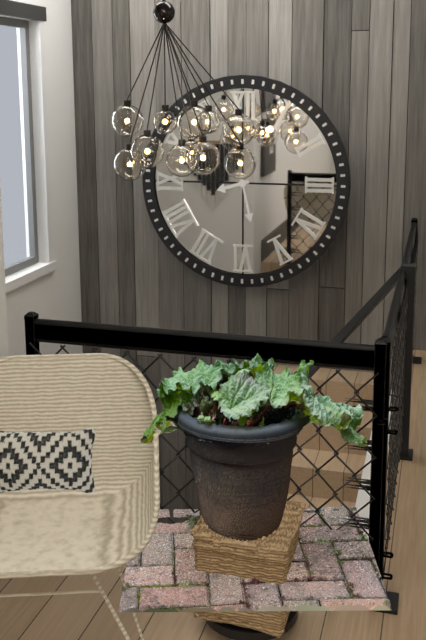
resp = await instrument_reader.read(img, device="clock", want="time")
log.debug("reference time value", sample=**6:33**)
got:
**8:28**
